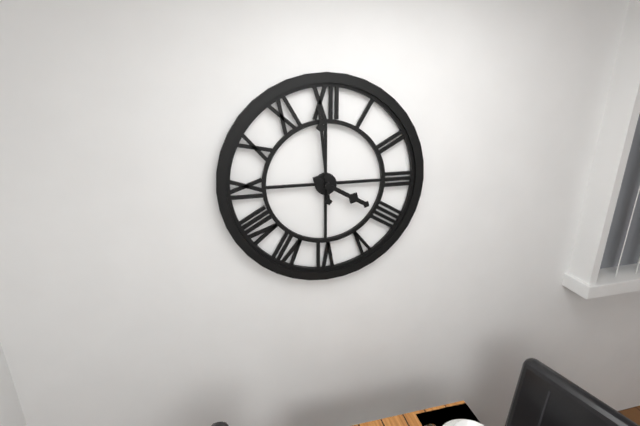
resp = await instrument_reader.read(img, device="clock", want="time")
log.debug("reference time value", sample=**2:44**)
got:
**3:59**
